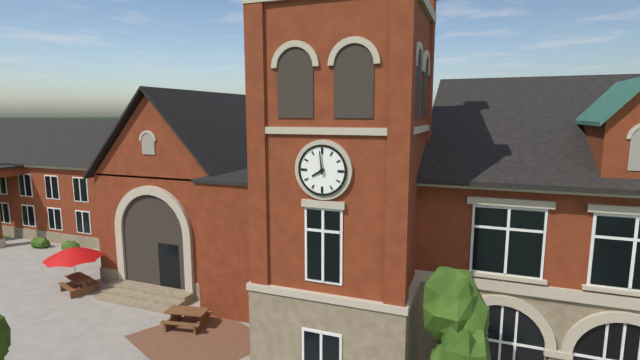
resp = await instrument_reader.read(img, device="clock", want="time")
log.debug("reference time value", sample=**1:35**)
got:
**7:59**
